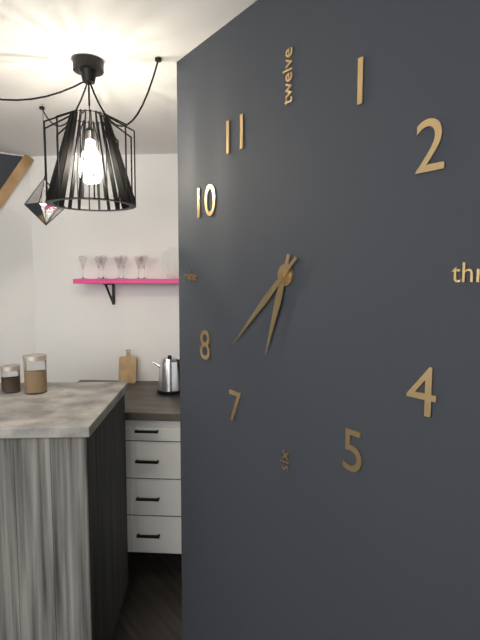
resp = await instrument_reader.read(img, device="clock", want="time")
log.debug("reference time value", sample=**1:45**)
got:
**6:38**
